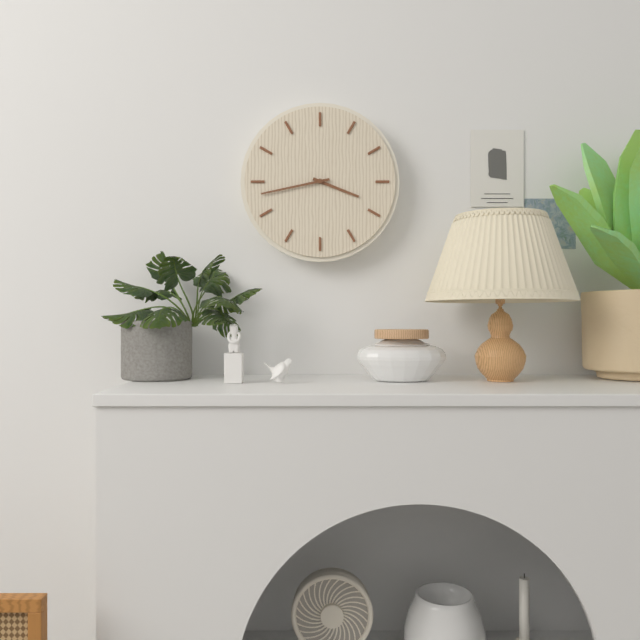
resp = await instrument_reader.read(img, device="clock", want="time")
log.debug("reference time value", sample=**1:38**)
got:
**3:43**
